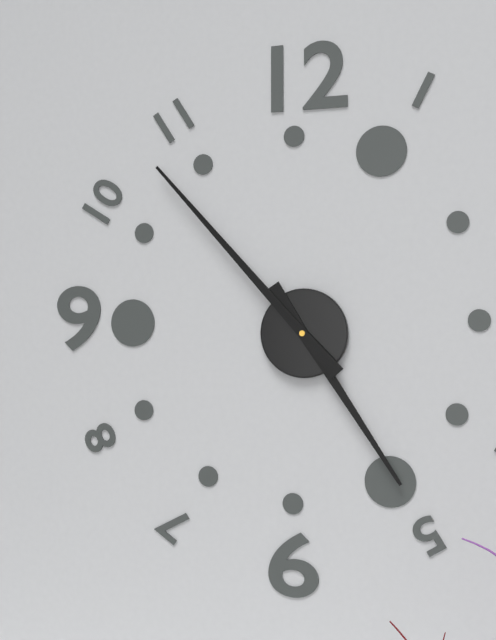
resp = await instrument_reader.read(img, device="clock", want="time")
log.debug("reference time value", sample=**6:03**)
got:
**4:53**
